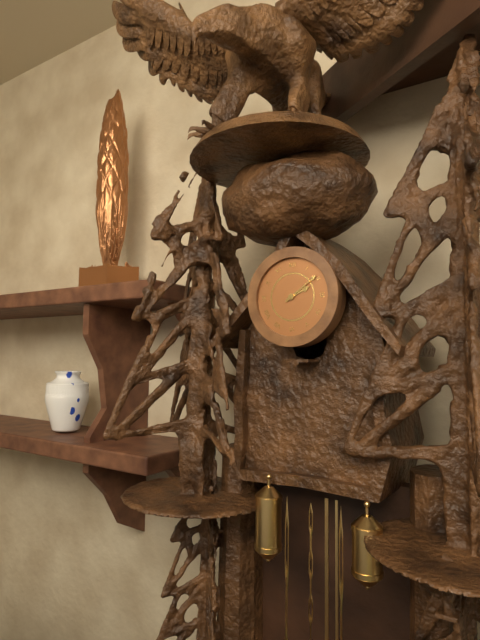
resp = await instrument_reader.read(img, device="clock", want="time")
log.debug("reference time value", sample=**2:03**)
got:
**2:09**
